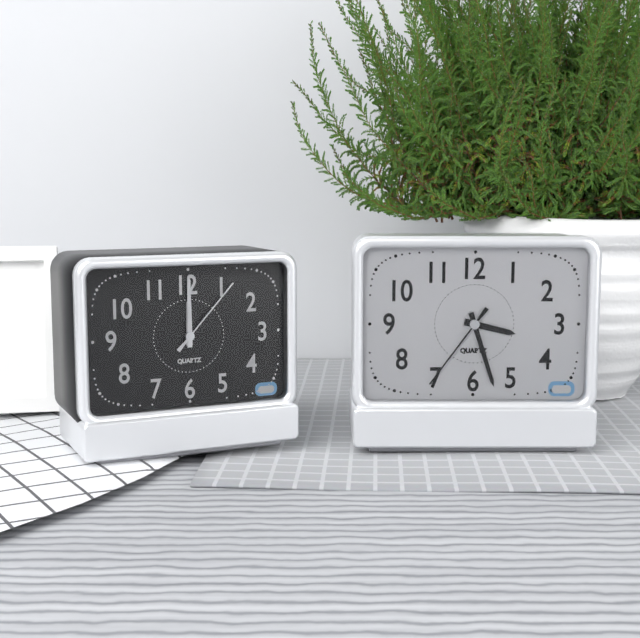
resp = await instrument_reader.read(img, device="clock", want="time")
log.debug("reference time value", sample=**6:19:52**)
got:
**3:27:36**
